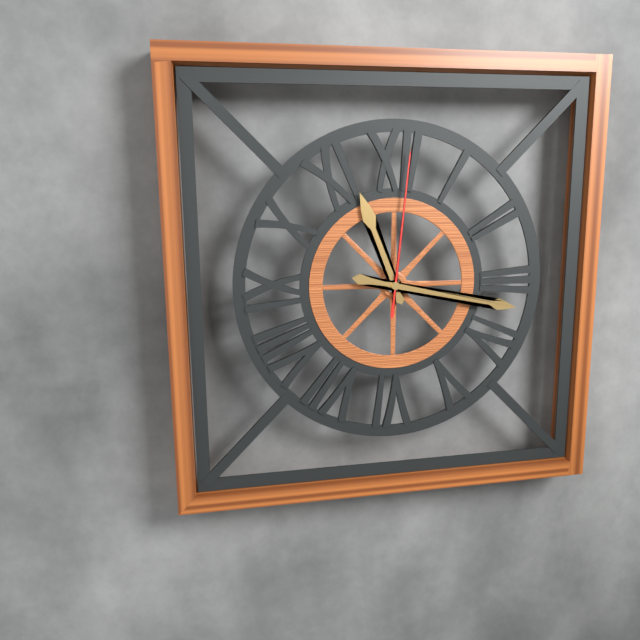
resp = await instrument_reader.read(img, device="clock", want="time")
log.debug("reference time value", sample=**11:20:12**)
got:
**11:17:01**
